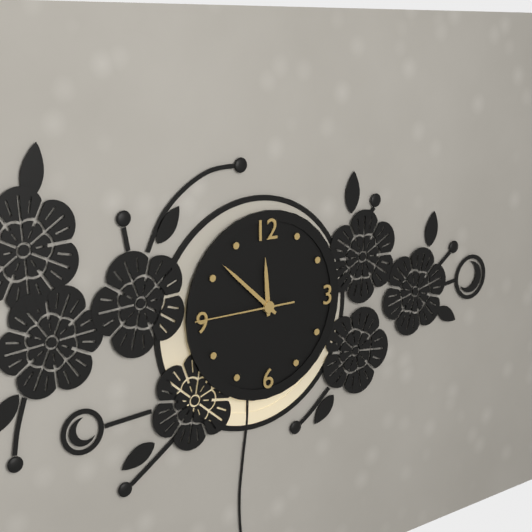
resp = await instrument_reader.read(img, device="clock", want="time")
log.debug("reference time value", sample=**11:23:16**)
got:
**11:52:45**
